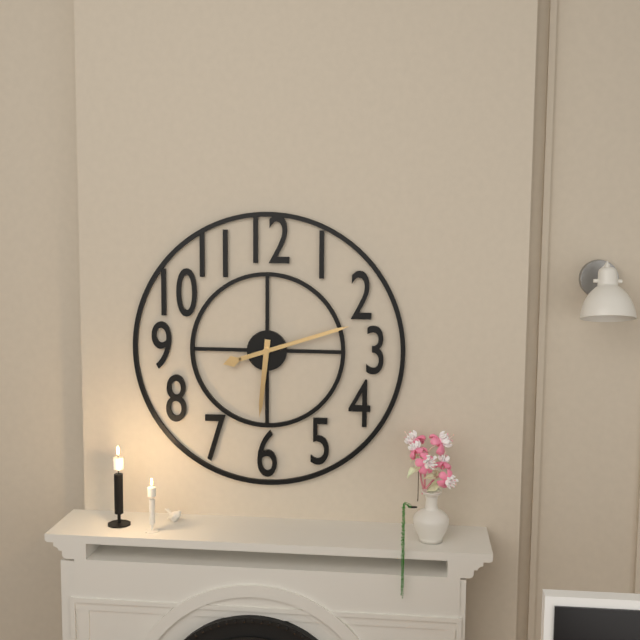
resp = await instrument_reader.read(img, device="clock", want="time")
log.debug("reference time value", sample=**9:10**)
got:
**6:12**
